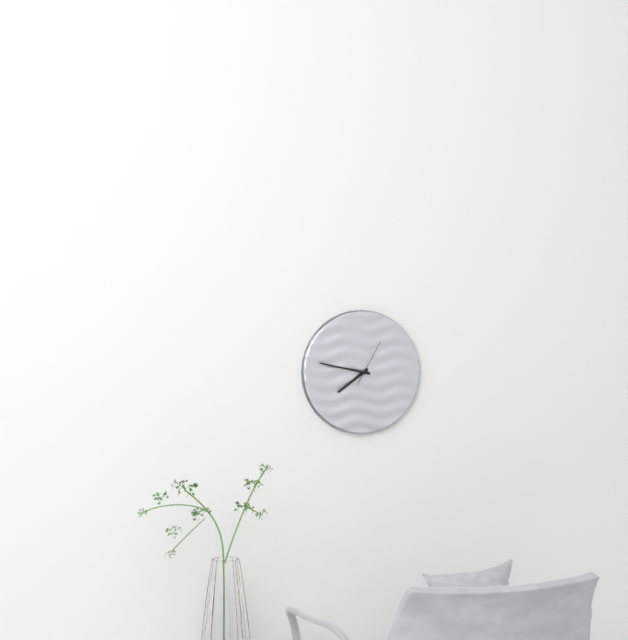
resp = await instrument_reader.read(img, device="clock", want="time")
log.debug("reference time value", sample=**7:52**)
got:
**7:47**
